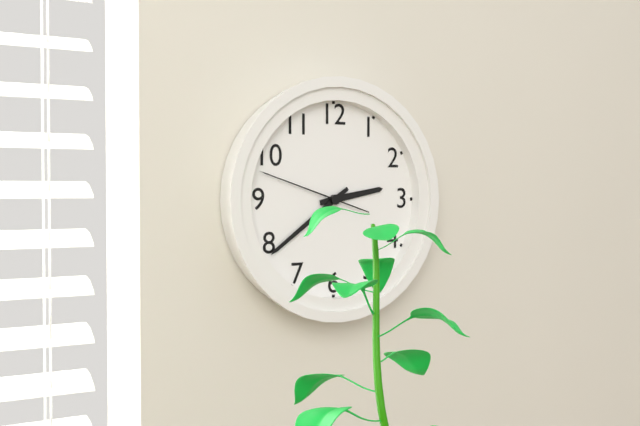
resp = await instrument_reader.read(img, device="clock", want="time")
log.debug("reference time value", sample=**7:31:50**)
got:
**2:39:48**
